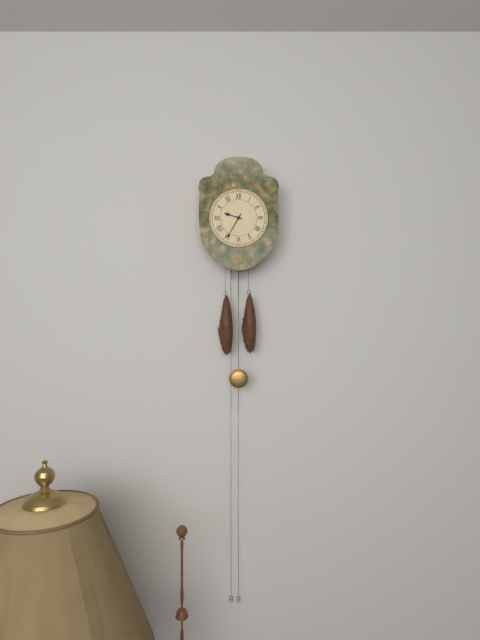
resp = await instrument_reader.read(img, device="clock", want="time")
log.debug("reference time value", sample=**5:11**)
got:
**9:35**
